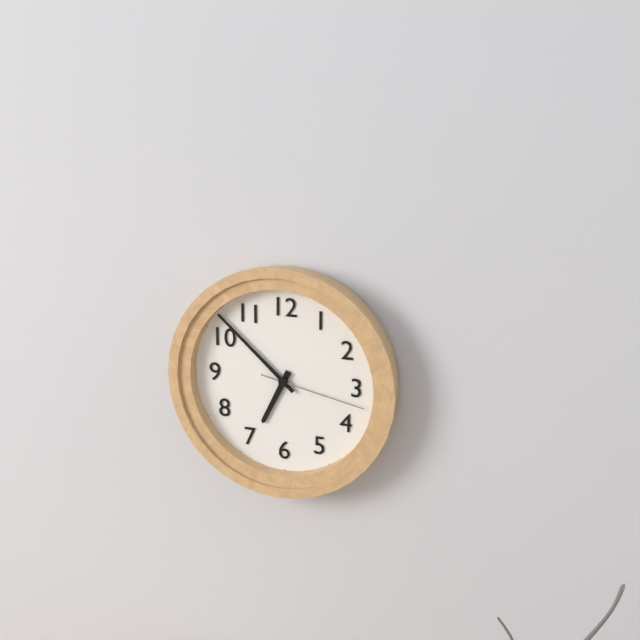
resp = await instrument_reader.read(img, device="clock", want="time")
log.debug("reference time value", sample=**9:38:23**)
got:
**6:52:17**
